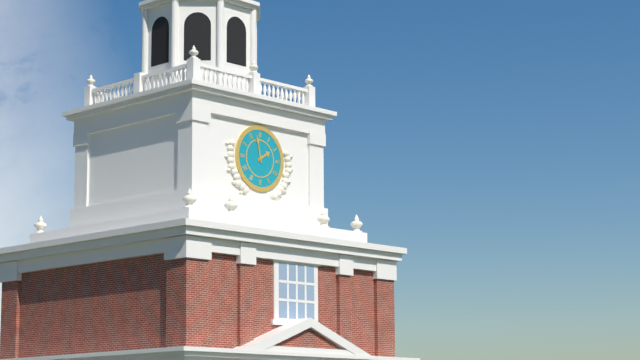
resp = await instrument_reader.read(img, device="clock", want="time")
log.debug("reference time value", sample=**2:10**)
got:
**1:58**
